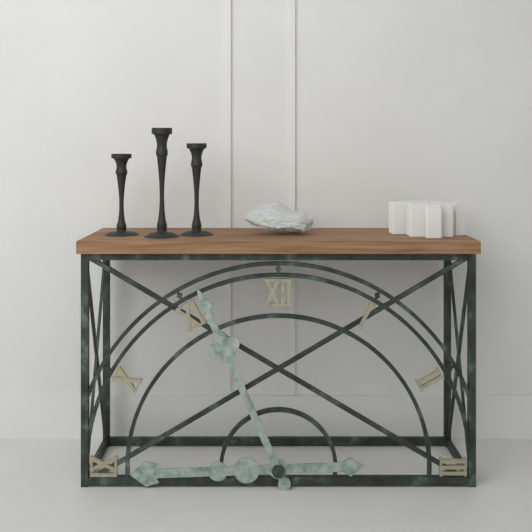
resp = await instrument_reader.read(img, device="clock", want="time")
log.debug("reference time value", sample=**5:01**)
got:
**8:56**
